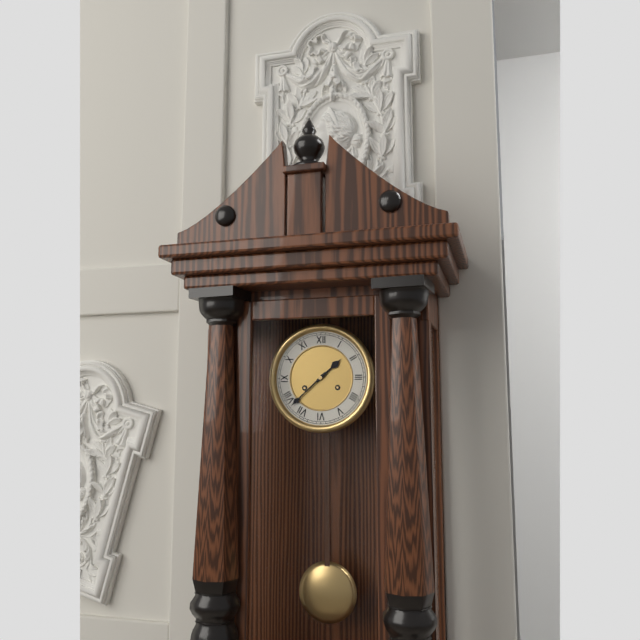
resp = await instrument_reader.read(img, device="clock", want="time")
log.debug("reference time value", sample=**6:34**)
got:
**1:38**
